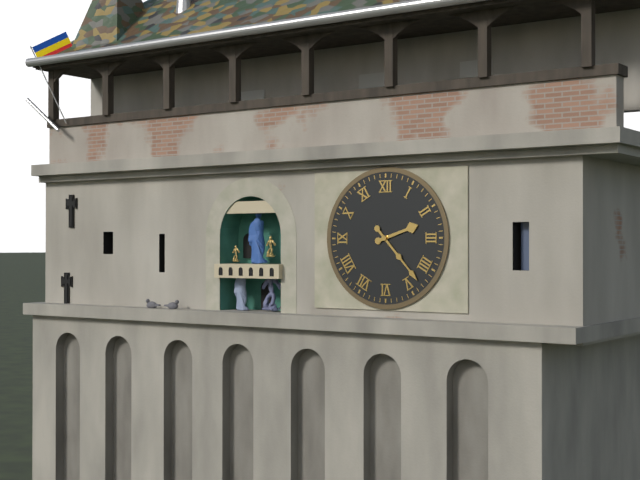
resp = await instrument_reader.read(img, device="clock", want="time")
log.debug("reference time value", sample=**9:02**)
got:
**2:23**
